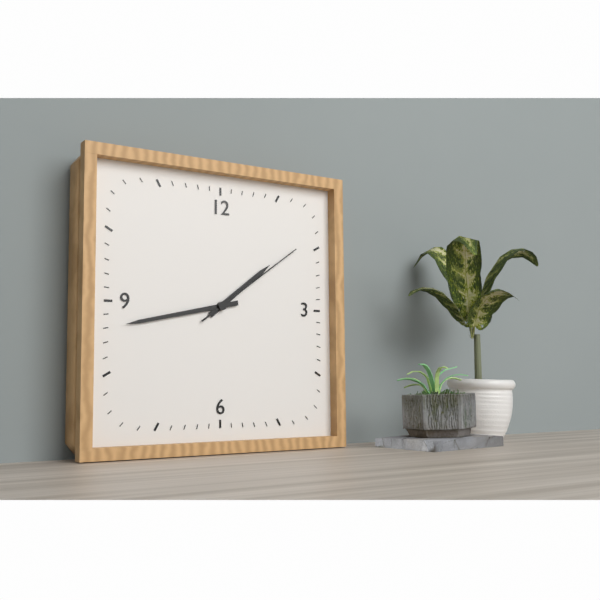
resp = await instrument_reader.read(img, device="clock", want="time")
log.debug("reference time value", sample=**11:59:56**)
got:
**1:43:09**
